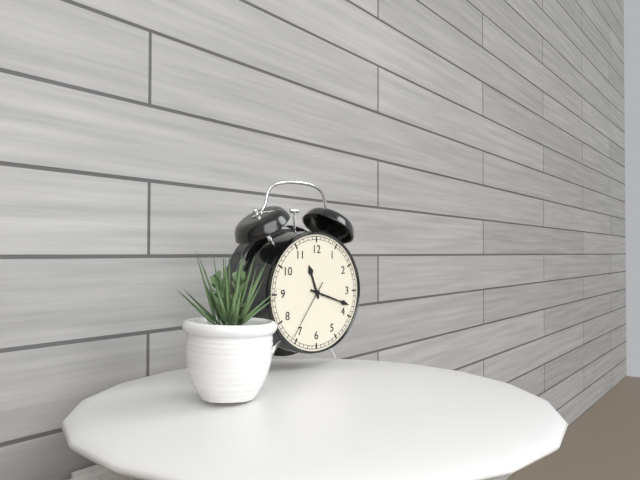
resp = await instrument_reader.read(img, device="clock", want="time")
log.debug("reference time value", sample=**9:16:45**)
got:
**11:18:36**
